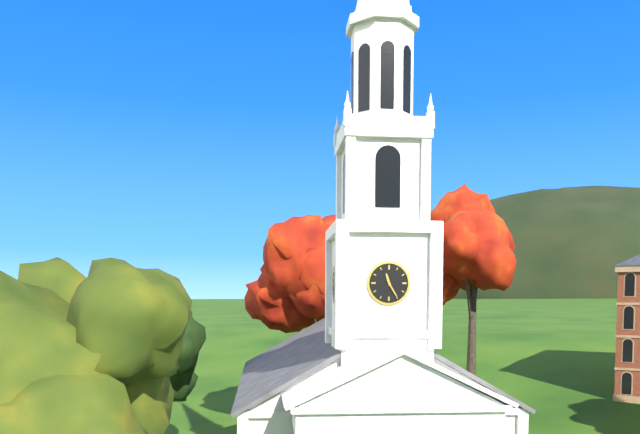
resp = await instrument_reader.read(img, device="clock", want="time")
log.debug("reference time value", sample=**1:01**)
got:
**11:25**
